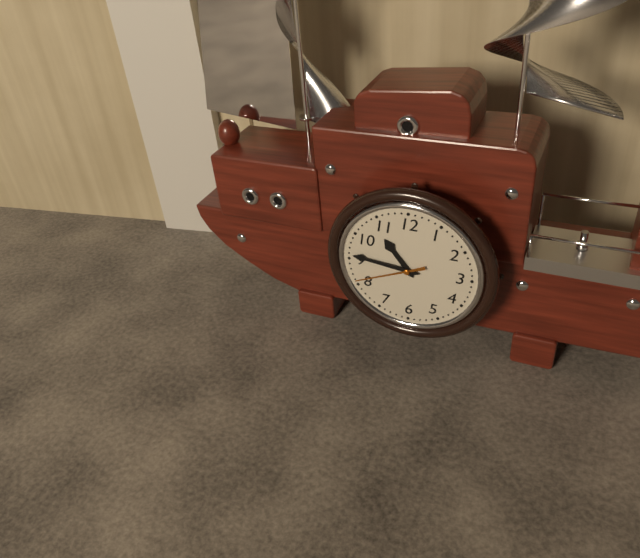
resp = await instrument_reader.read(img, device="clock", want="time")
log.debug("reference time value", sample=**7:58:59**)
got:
**10:46:41**
